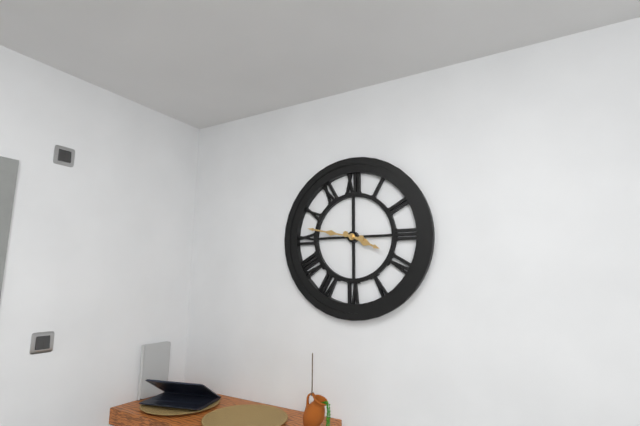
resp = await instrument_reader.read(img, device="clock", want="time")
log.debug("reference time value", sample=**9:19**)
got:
**3:47**
